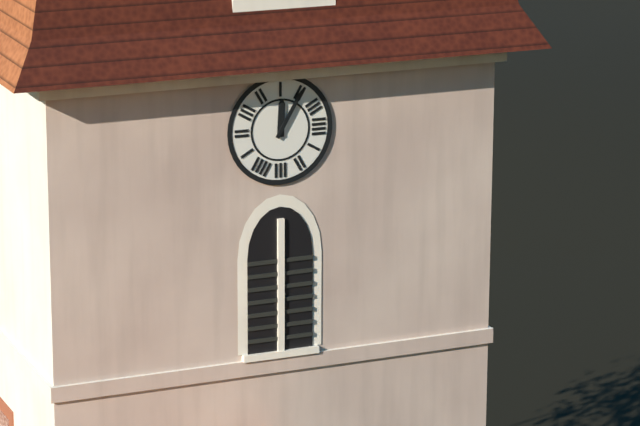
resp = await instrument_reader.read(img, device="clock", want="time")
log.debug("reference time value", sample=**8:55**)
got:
**12:05**
